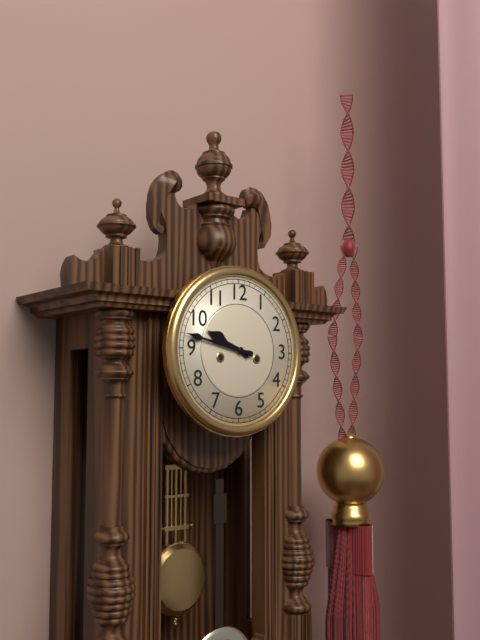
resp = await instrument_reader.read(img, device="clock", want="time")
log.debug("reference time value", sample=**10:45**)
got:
**9:47**
